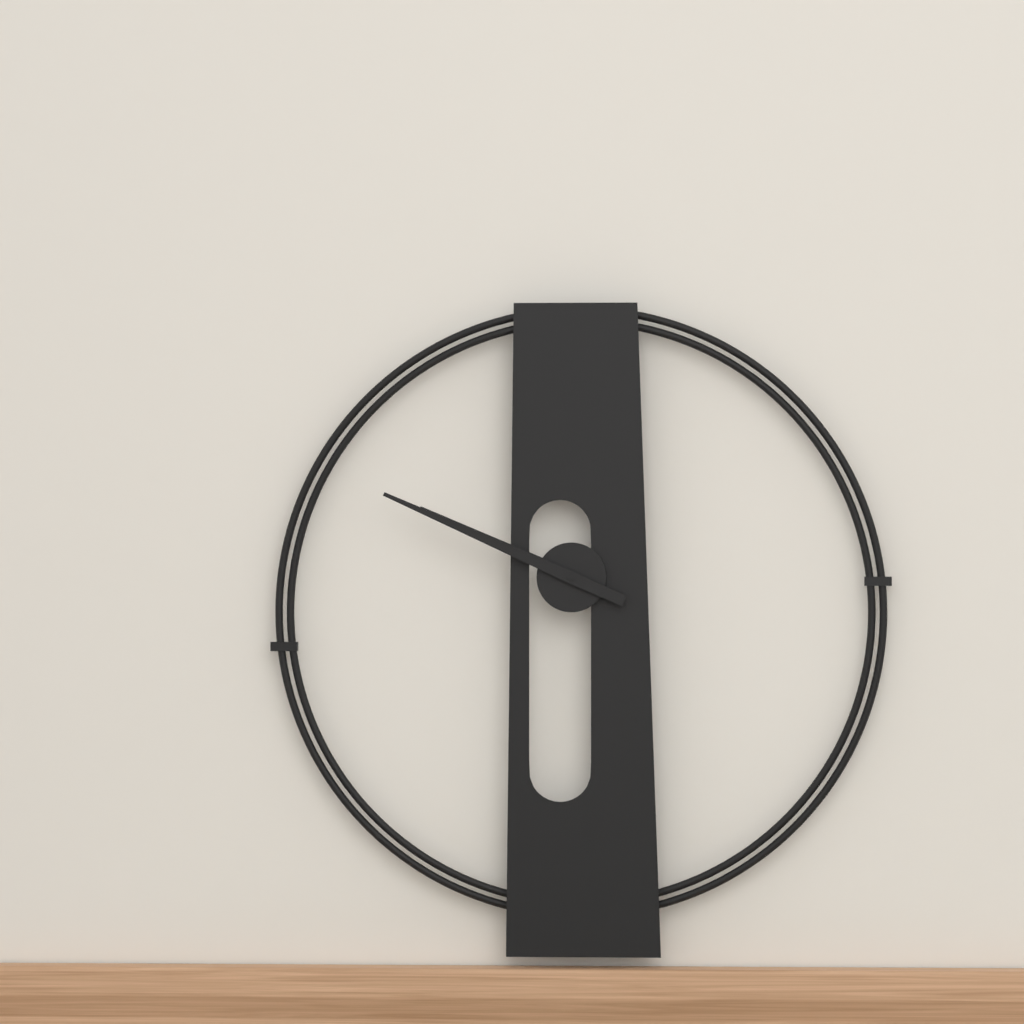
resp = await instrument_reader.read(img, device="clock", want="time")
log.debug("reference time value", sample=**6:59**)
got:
**9:49**
